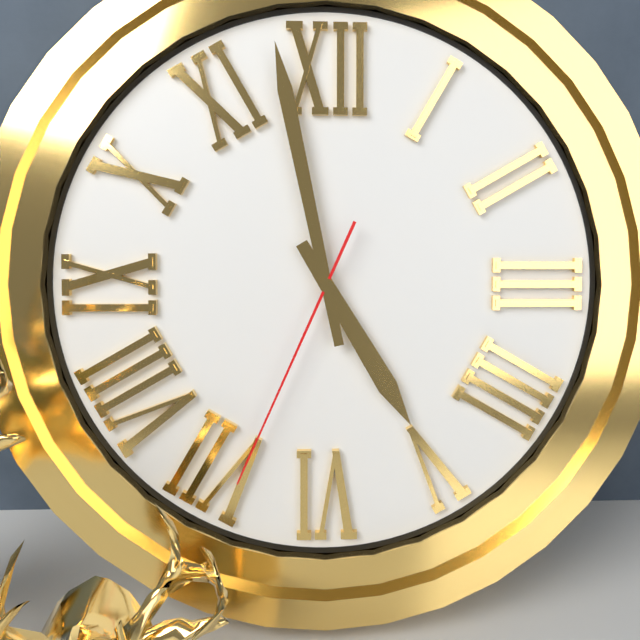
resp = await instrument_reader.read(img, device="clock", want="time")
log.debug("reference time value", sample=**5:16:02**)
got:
**4:58:34**
